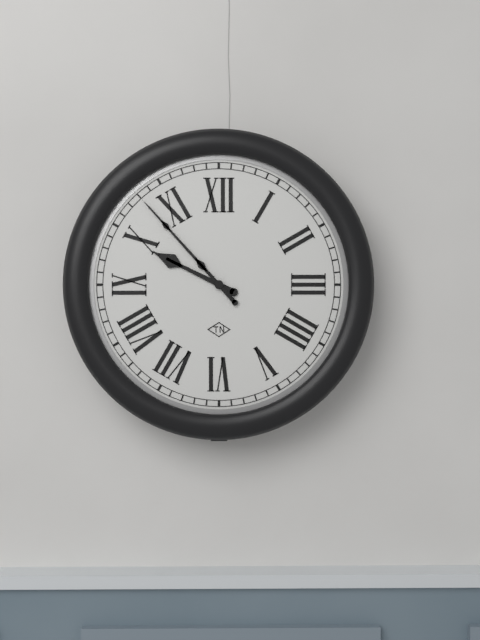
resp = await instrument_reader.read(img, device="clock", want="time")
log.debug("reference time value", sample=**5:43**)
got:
**9:53**
